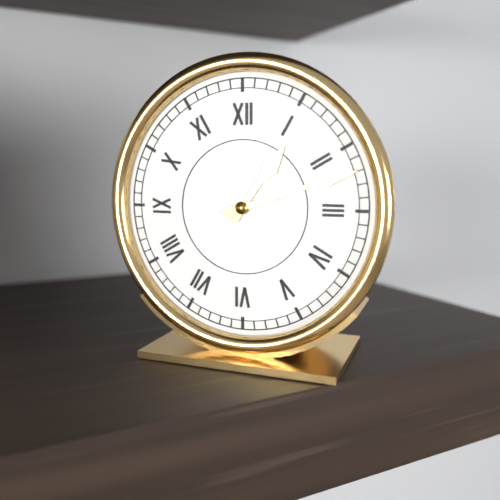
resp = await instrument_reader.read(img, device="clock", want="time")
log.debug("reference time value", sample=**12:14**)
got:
**1:12**
